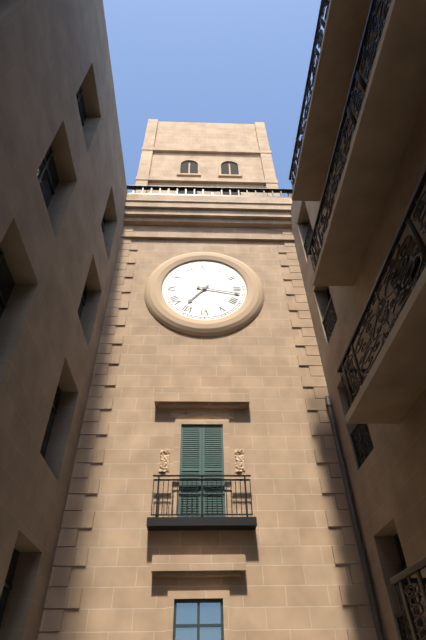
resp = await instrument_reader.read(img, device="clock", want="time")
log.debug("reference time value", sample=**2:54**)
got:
**7:17**
